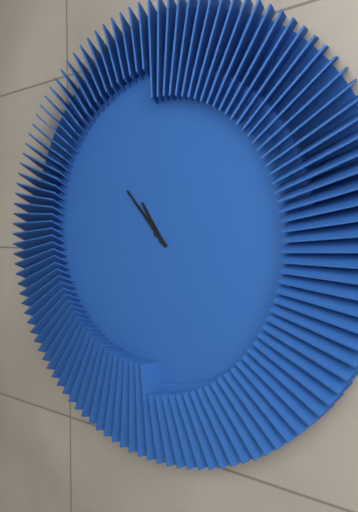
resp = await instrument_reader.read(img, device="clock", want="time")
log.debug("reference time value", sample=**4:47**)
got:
**10:53**
